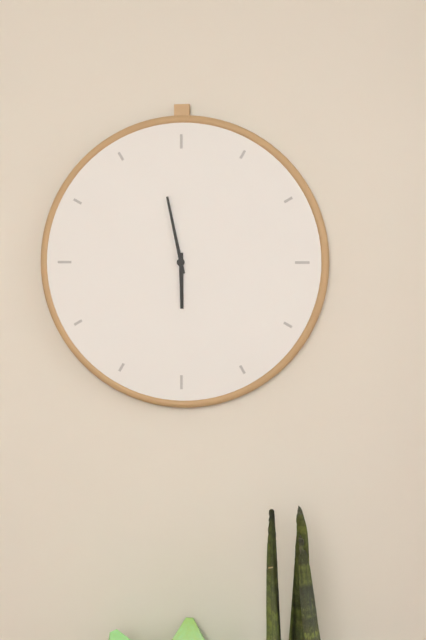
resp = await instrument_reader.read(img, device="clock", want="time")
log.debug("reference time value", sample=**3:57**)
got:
**5:58**
